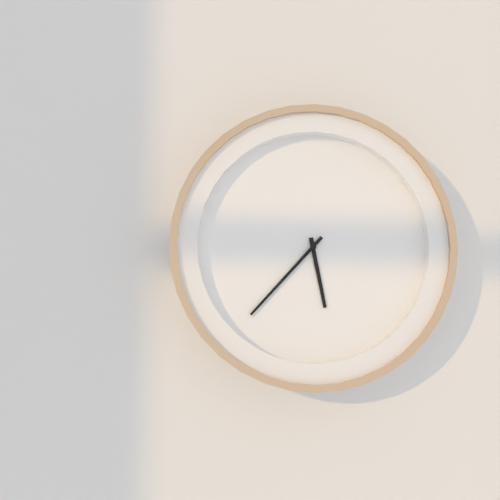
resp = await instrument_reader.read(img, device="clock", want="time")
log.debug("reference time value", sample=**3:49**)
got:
**5:37**
